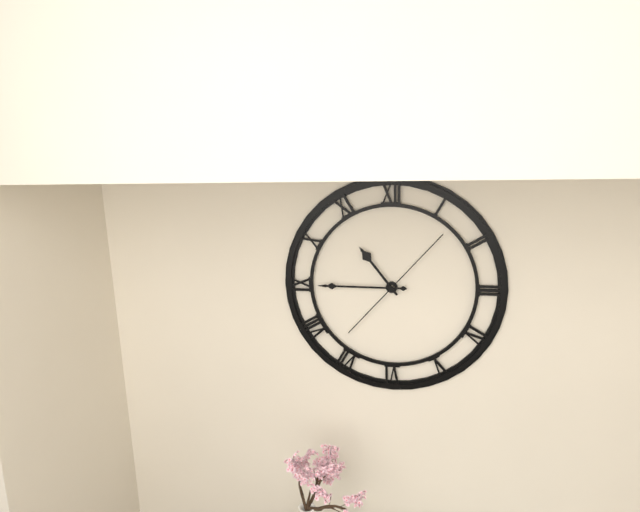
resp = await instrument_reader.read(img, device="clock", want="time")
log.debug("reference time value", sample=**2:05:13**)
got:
**10:45:07**
